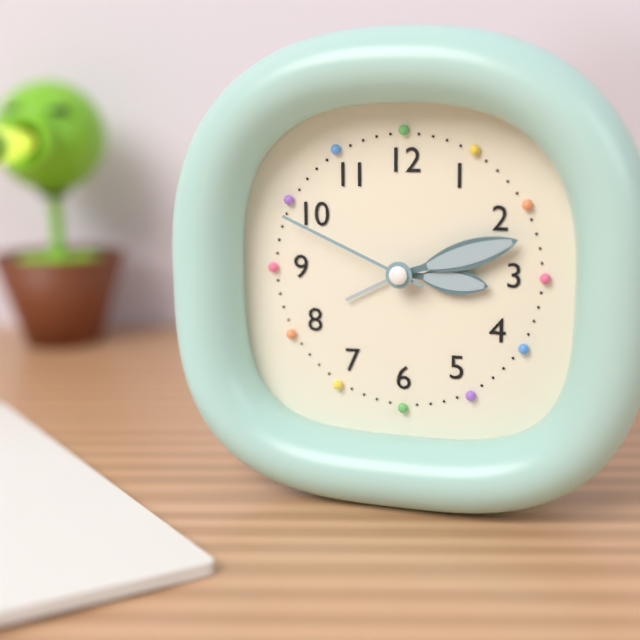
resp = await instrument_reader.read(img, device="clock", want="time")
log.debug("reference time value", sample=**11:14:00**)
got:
**3:12:49**
